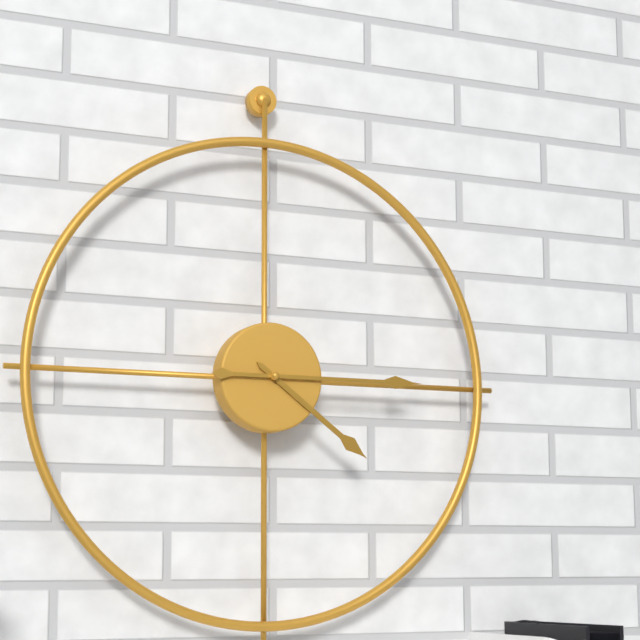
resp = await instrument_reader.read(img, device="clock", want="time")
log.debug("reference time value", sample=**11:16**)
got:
**4:15**
